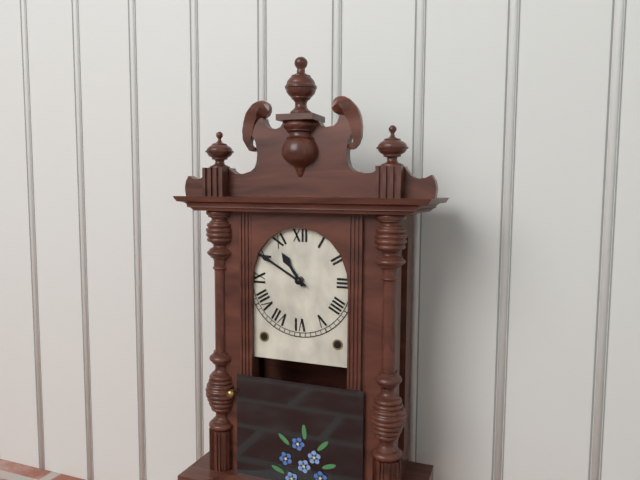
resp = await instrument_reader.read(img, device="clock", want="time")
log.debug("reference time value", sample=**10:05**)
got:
**10:50**
